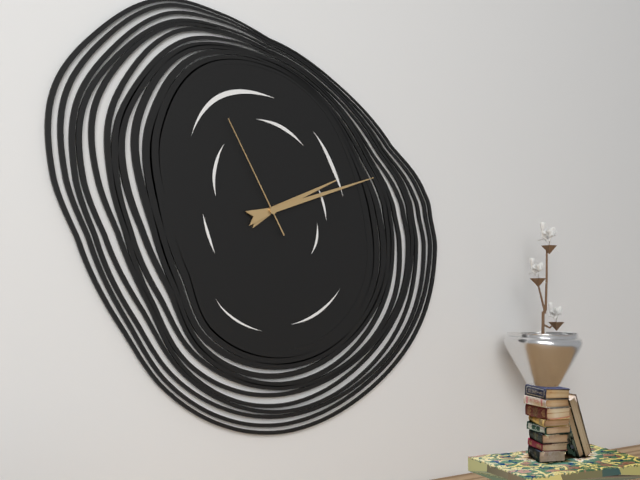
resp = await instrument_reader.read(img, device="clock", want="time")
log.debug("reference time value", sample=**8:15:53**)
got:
**2:12:55**
